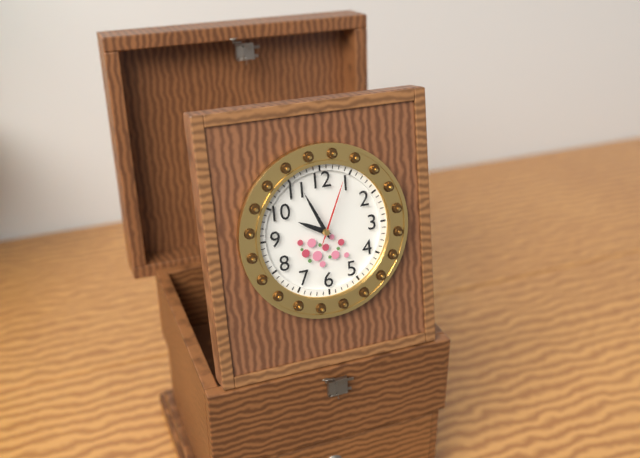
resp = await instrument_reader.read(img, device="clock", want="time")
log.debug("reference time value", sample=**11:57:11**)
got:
**9:56:04**
